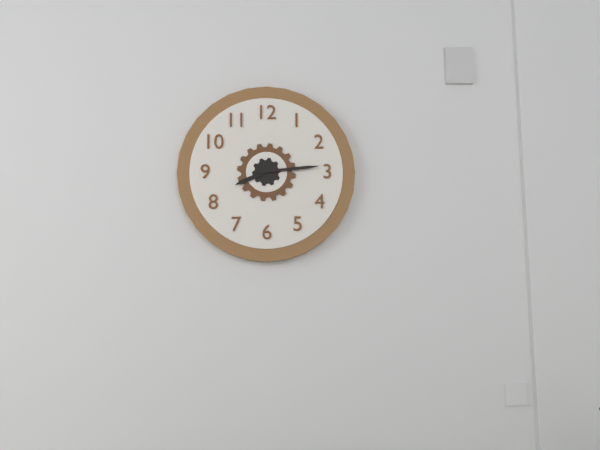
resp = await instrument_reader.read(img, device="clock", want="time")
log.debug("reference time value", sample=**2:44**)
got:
**8:14**
